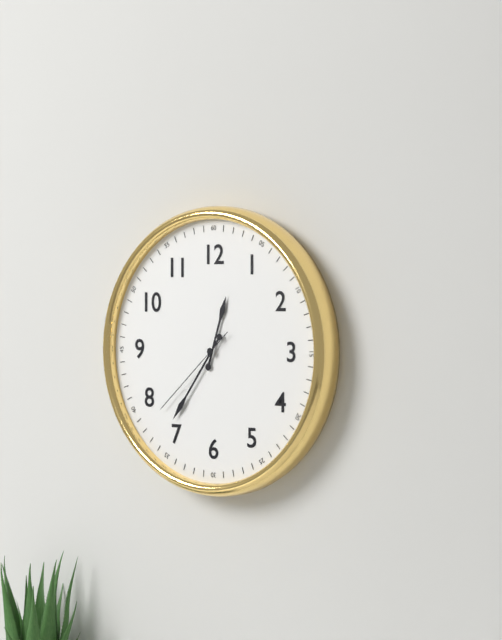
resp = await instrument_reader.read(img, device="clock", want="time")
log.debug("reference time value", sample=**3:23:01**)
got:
**12:36:38**
